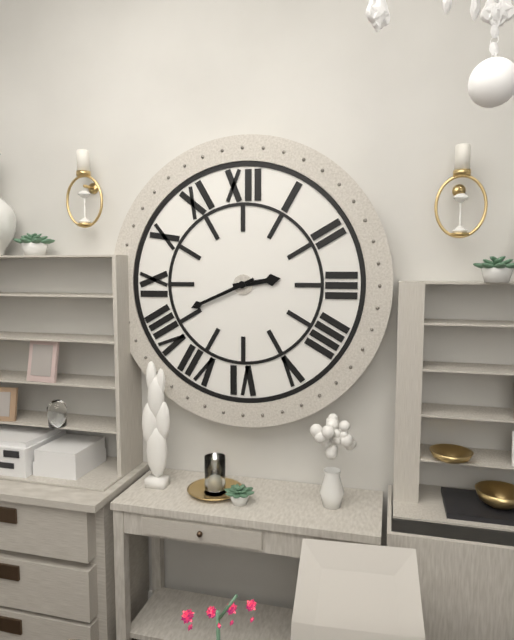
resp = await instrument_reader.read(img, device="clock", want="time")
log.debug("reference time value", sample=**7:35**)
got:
**2:41**
